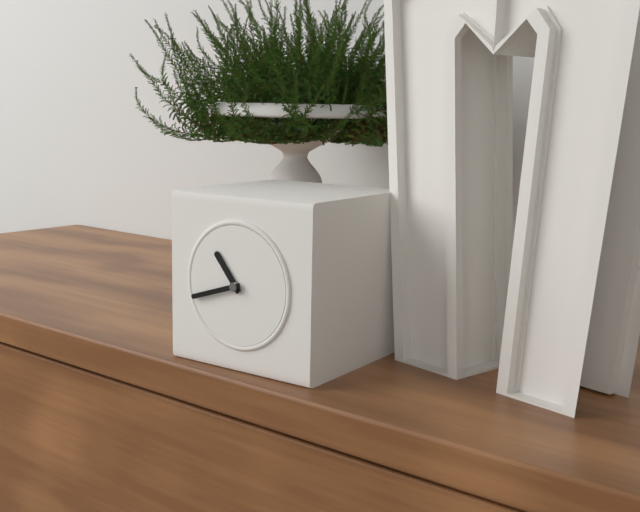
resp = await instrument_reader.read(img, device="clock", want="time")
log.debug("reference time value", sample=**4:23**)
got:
**10:42**
